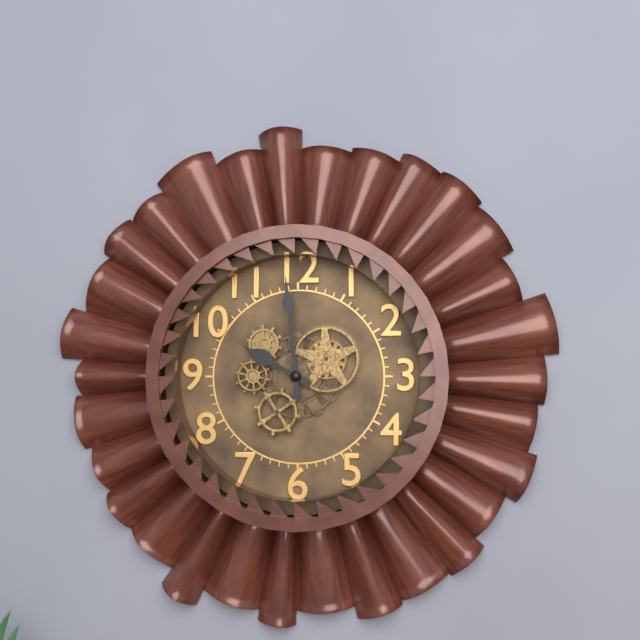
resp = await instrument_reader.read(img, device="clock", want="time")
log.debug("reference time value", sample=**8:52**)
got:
**9:59**
